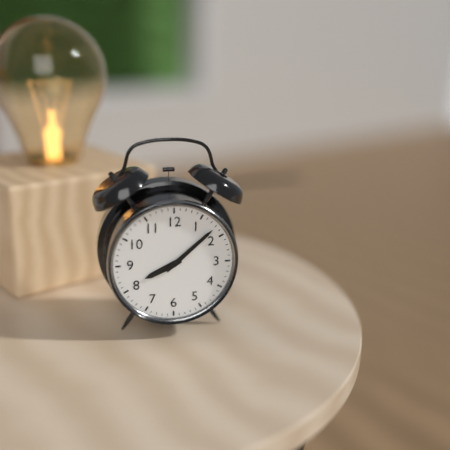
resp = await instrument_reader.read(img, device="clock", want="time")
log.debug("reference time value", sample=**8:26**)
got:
**8:08**
